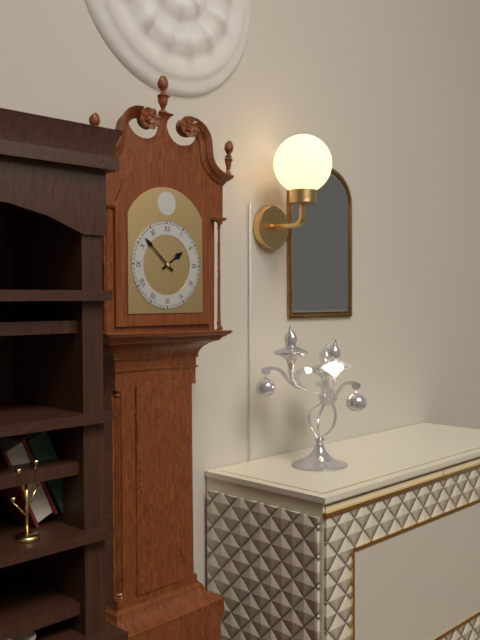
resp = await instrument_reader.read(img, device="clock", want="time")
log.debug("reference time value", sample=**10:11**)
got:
**1:52**
